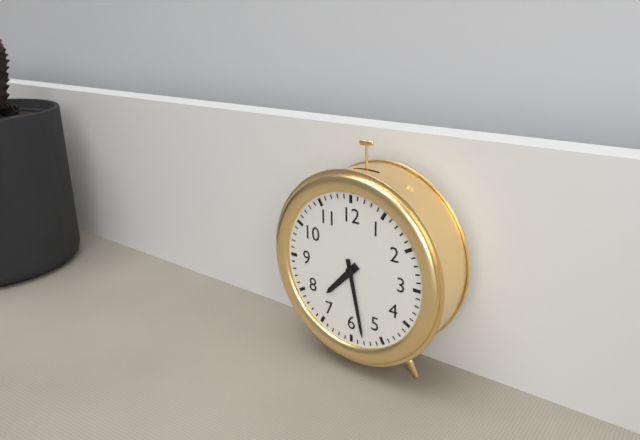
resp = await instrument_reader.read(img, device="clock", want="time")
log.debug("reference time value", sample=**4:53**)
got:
**7:28**
